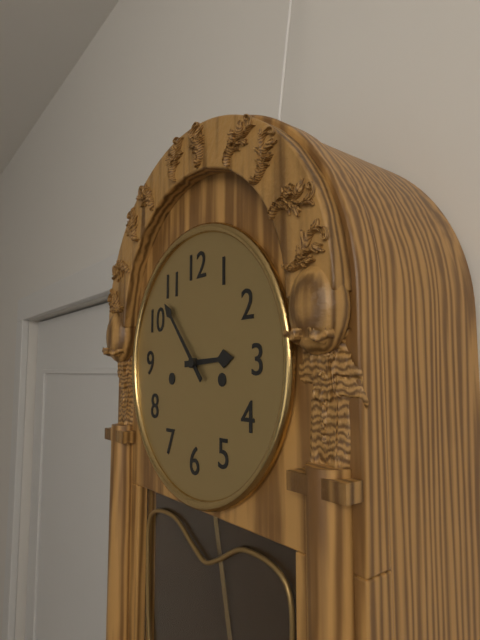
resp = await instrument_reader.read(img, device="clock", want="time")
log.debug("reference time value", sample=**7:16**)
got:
**2:53**
